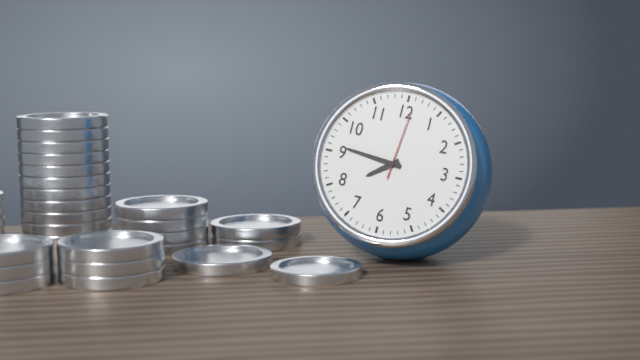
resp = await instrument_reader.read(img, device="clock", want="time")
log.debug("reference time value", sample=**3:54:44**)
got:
**7:46:01**
